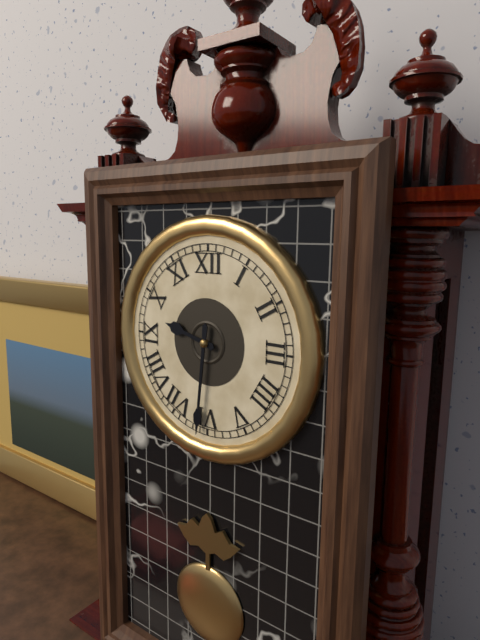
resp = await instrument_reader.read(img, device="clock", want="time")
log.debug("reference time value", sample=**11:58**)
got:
**9:31**
